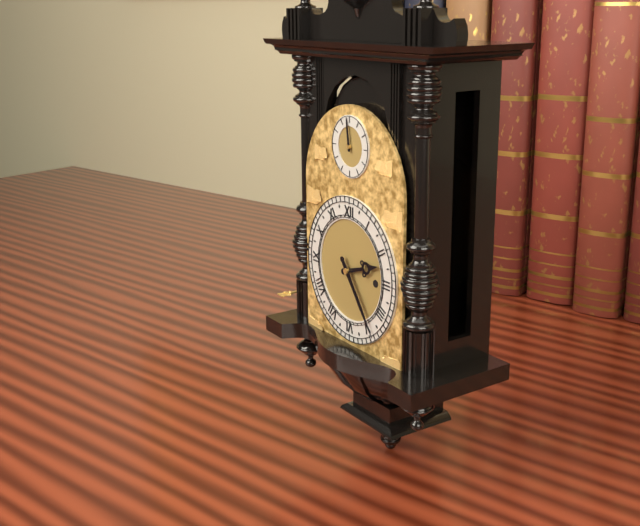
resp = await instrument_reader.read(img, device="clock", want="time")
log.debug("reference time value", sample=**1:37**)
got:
**2:24**
